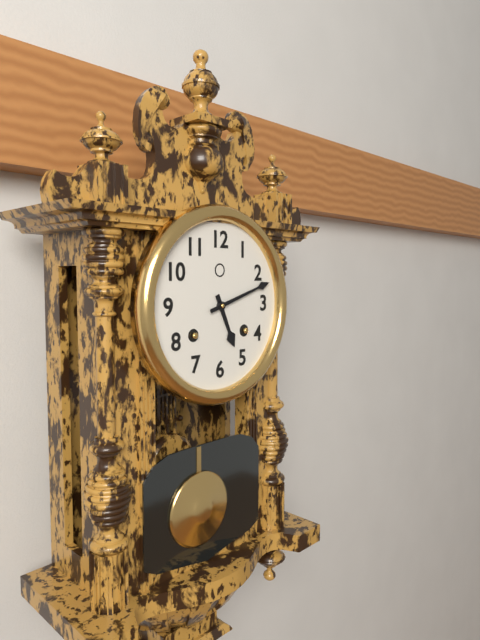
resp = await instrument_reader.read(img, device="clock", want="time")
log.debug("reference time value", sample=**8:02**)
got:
**5:12**
